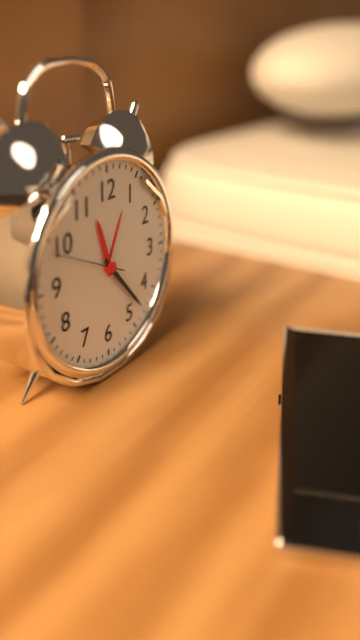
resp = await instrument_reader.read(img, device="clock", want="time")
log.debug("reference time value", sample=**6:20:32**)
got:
**11:23:49**
